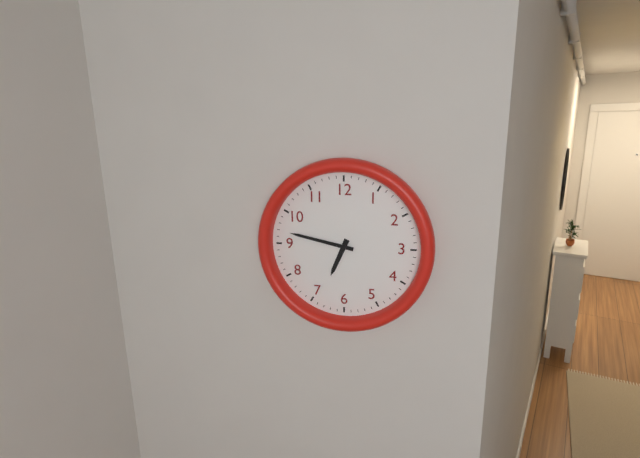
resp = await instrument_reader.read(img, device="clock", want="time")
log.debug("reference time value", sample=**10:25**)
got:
**6:47**
